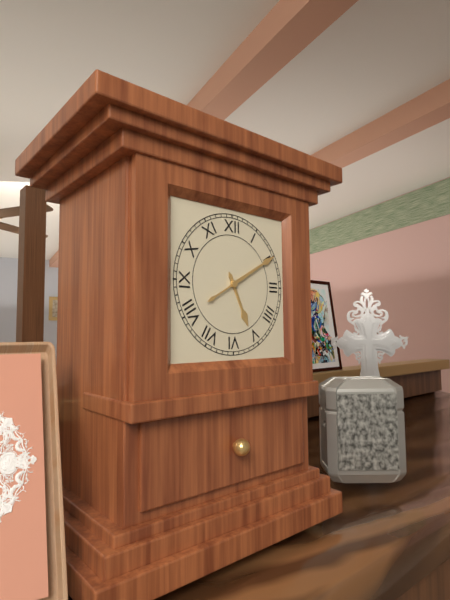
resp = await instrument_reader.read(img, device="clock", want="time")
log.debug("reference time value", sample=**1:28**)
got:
**5:10**
